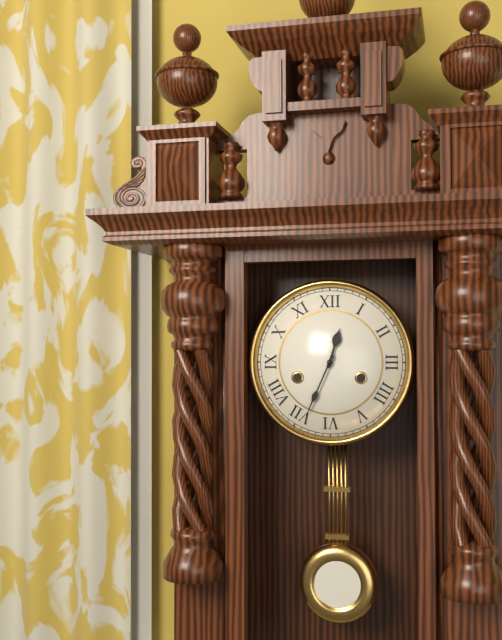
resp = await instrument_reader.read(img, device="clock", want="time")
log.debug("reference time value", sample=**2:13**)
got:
**12:34**
